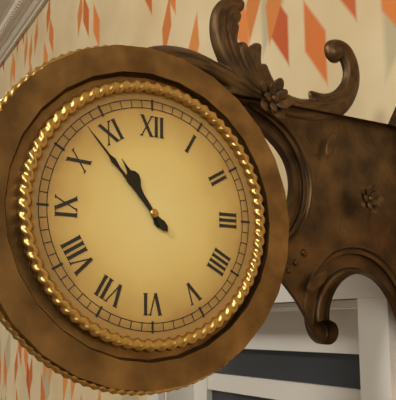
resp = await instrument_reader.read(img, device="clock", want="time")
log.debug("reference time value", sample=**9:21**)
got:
**10:53**
